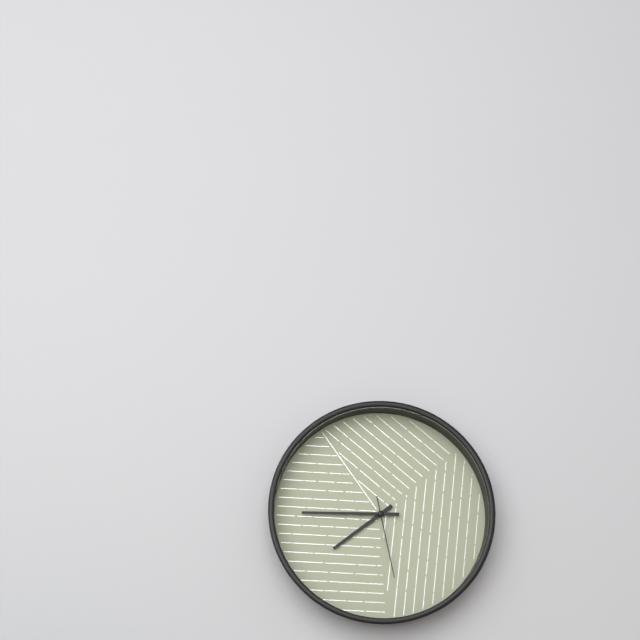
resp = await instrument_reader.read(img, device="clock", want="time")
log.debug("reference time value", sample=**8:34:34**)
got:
**7:45:28**
